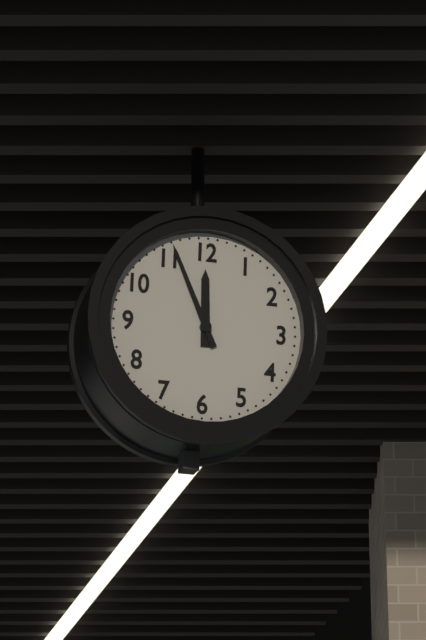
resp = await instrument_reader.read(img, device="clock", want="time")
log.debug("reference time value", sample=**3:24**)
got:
**11:56**
